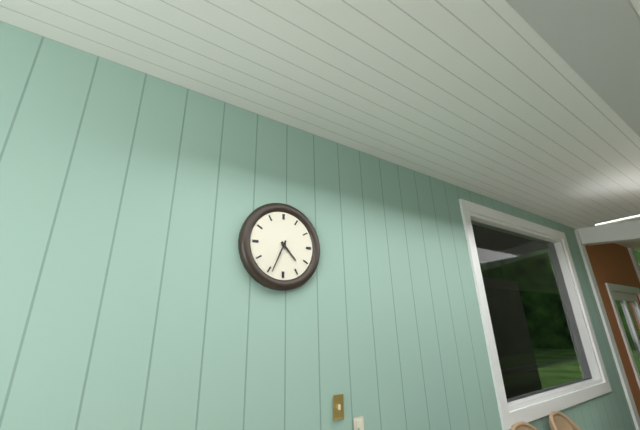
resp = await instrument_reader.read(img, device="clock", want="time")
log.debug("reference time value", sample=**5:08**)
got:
**4:34**
